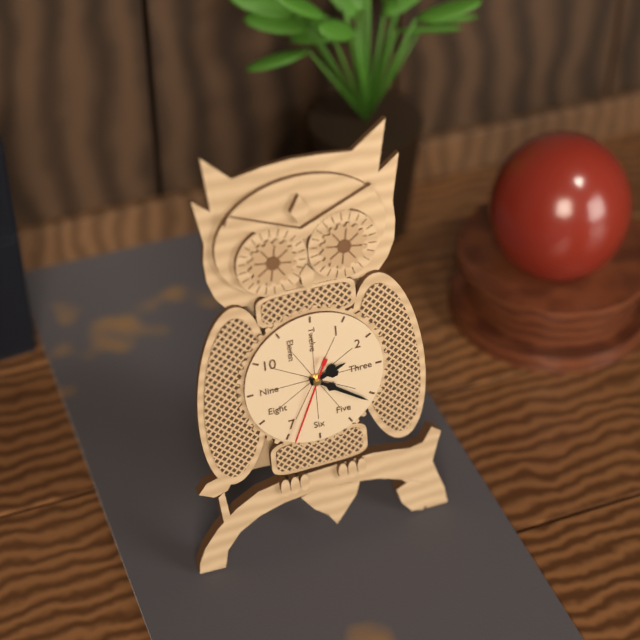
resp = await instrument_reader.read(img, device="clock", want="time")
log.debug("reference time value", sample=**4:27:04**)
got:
**2:21:34**
